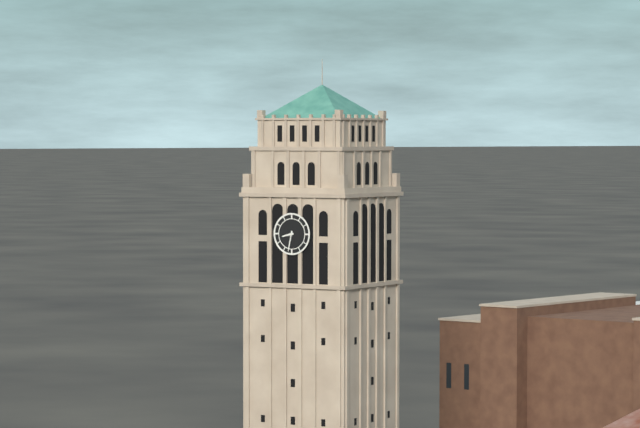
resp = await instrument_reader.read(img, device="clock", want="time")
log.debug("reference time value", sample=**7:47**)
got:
**8:32**
